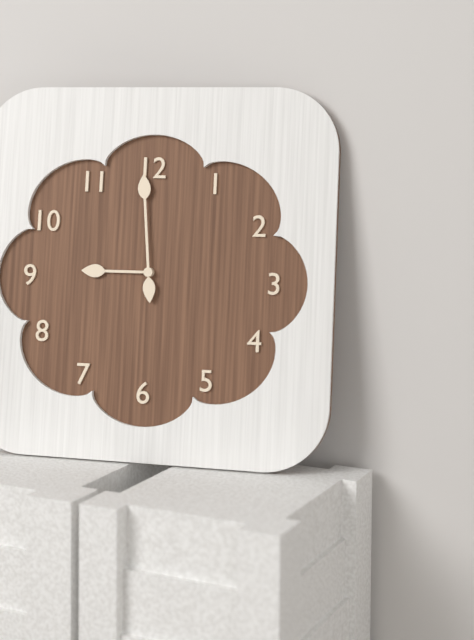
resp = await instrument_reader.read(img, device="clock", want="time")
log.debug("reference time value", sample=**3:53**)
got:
**8:59**
